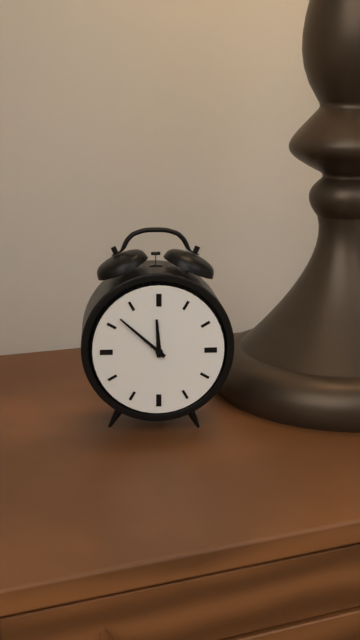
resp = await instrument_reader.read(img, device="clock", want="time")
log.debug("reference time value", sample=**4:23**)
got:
**11:52**
